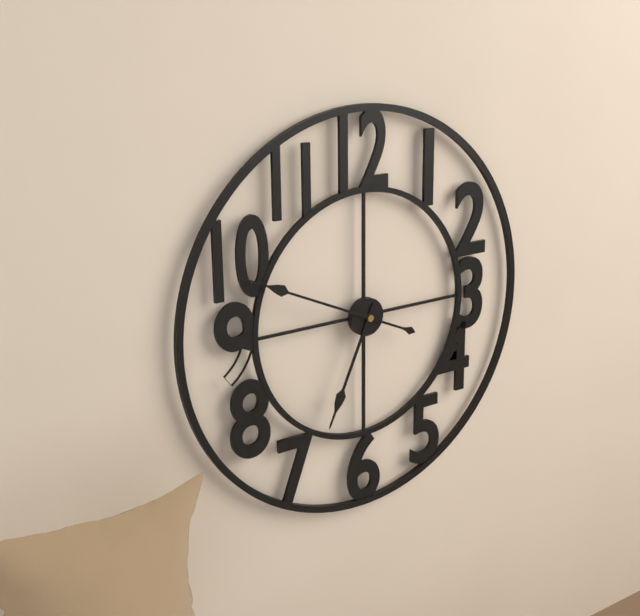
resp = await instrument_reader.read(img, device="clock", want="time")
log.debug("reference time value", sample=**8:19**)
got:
**6:49**
